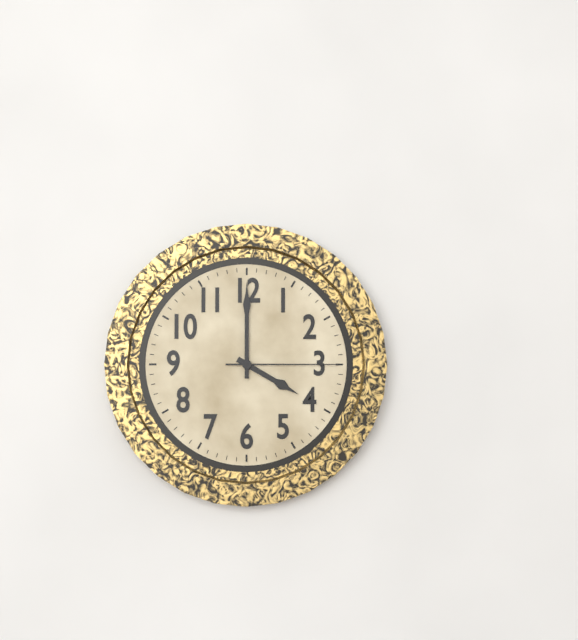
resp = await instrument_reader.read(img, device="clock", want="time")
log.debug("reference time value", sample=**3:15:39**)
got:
**4:00:15**
